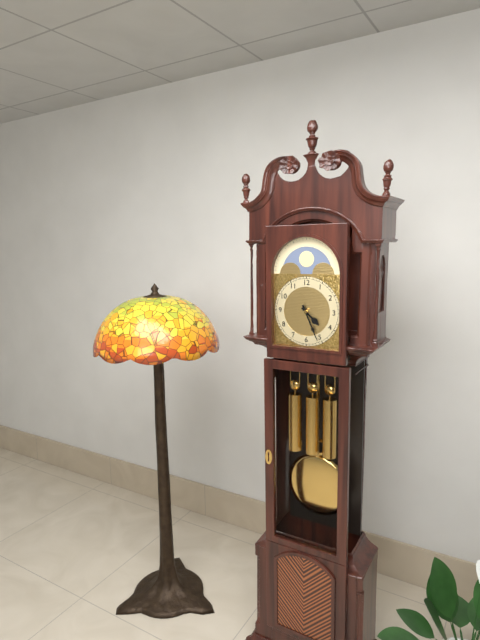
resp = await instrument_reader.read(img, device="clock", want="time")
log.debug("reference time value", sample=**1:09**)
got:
**4:26**
